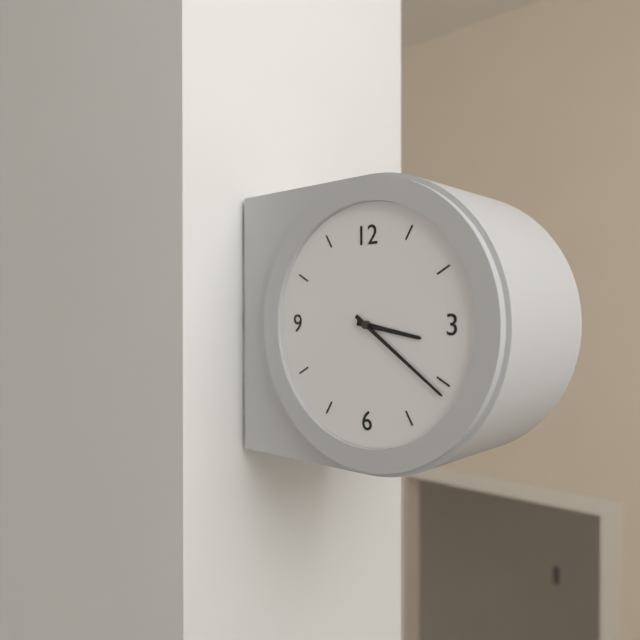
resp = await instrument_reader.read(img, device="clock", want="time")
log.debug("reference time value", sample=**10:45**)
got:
**3:21**
